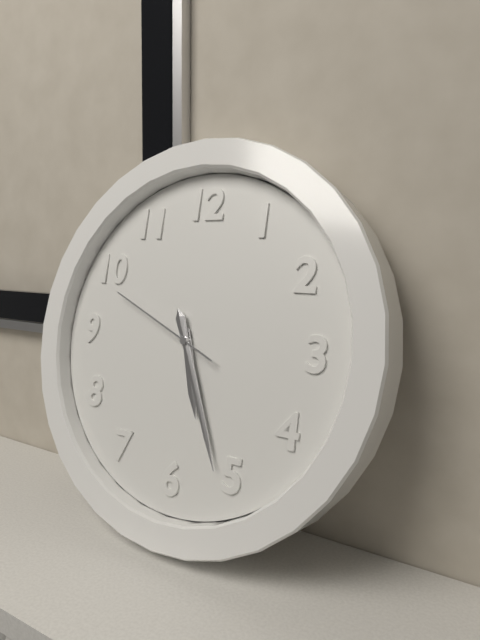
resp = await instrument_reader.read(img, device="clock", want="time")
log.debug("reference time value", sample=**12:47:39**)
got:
**5:26:49**
